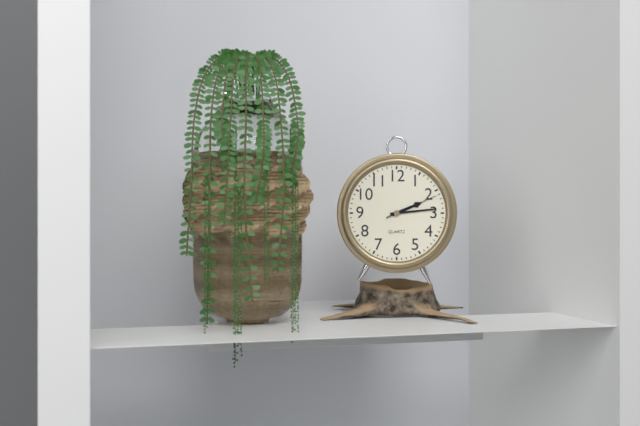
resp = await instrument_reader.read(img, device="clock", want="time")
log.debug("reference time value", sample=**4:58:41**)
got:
**2:14:11**
